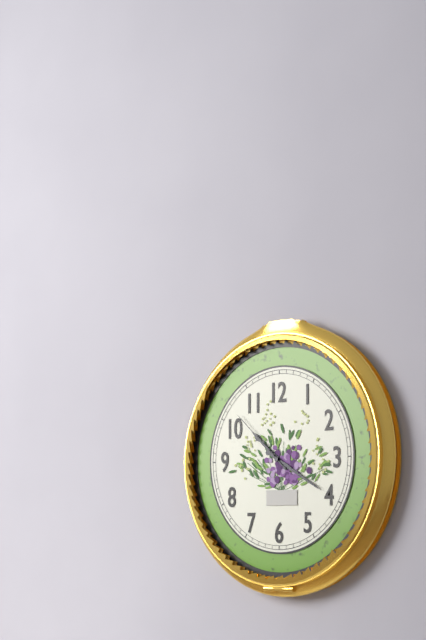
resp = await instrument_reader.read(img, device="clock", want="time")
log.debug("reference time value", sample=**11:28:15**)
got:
**10:20:52**
